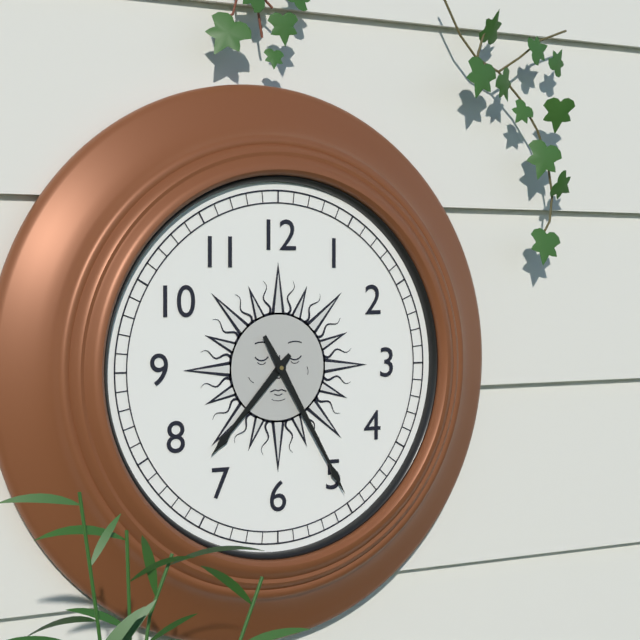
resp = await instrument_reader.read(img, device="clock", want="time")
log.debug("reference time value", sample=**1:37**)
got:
**7:25**
